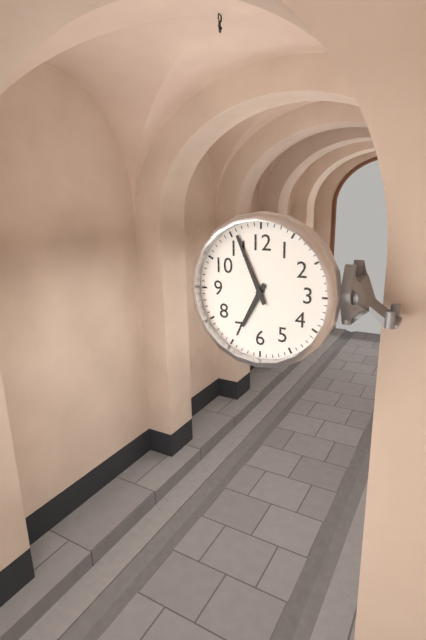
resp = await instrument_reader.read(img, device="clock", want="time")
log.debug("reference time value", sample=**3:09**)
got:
**6:56**
